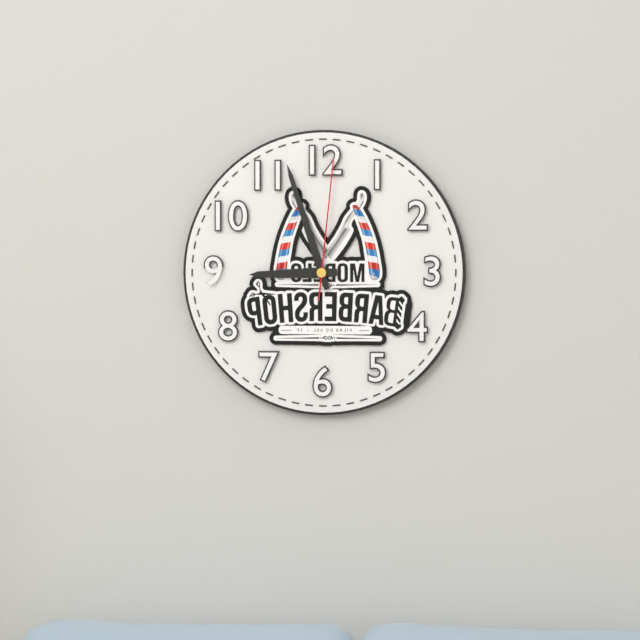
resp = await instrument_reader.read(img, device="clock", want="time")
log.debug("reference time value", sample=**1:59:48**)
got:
**8:57:01**
